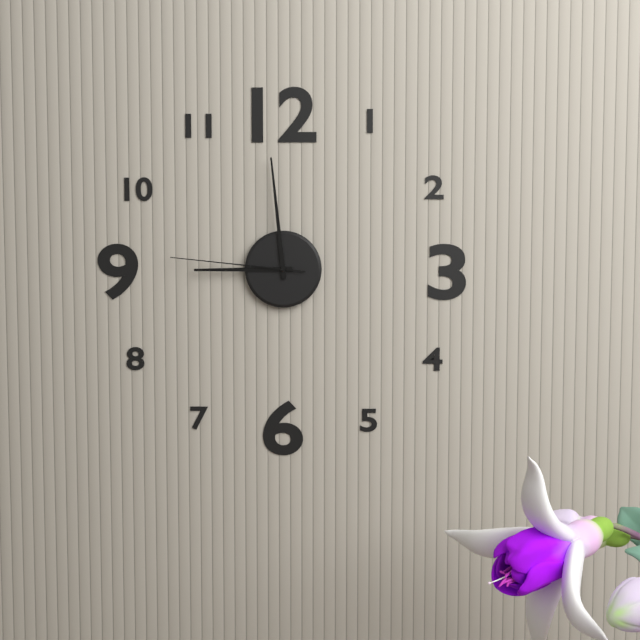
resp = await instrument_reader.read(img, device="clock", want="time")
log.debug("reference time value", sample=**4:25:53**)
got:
**8:59:46**
